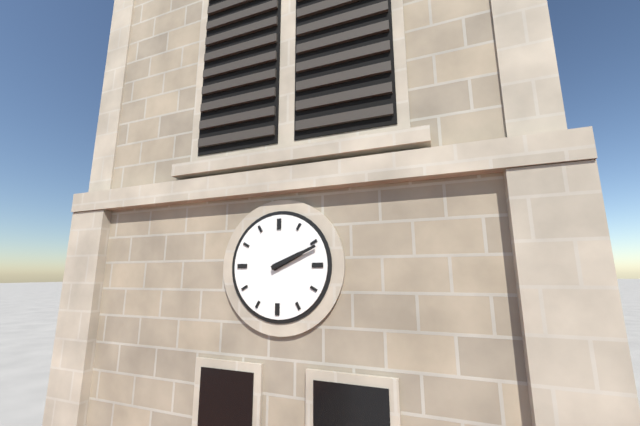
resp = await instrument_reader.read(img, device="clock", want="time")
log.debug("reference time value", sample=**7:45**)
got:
**2:11**
